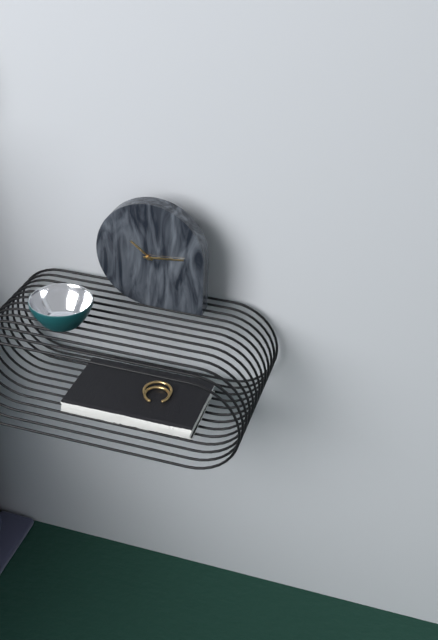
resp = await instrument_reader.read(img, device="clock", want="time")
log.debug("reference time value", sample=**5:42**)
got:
**10:14**
